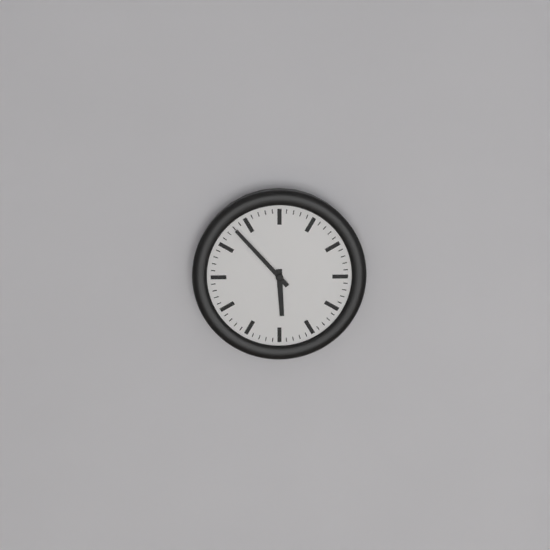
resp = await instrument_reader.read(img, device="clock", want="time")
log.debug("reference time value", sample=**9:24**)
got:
**5:53**
